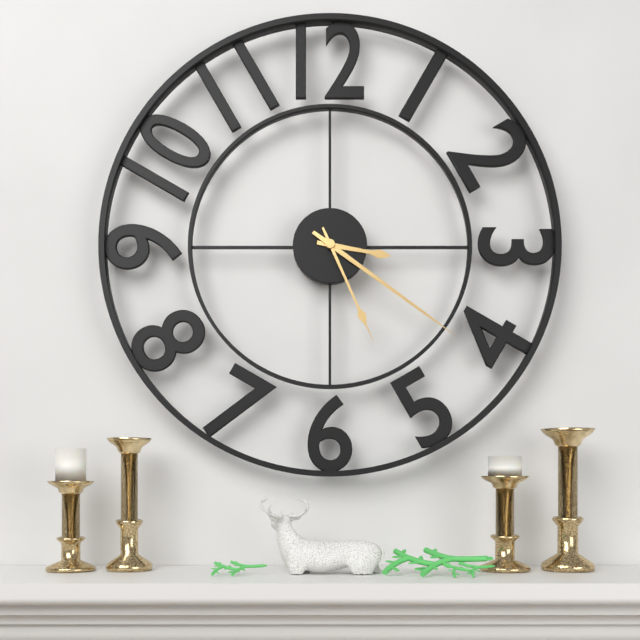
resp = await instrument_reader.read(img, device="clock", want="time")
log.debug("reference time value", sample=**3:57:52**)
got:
**3:21:26**
